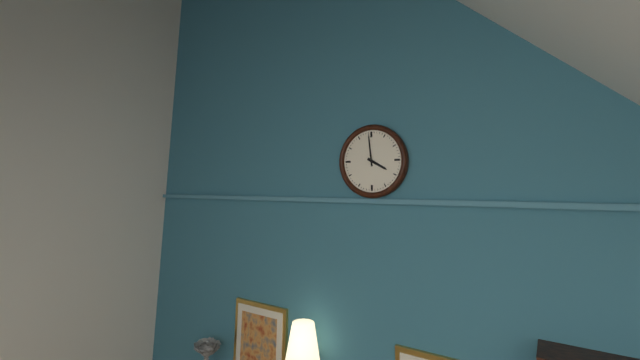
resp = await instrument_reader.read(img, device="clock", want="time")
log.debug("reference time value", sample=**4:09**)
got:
**3:59**
